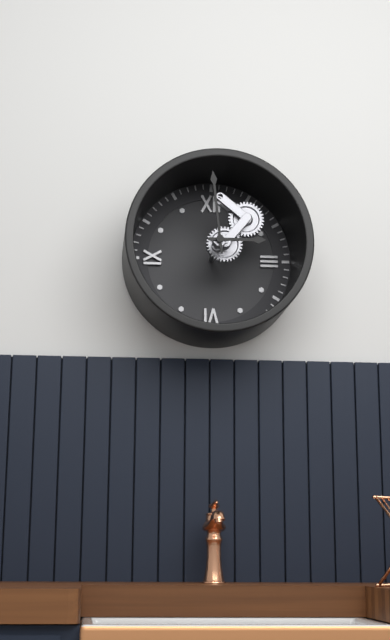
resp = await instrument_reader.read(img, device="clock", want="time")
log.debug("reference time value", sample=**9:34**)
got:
**2:59**
